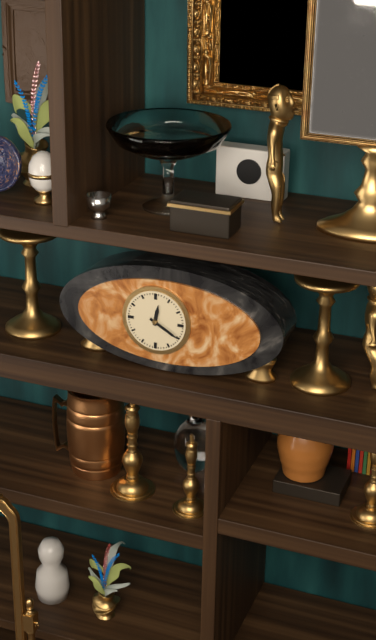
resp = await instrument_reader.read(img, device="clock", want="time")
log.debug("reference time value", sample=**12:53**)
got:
**12:20**
